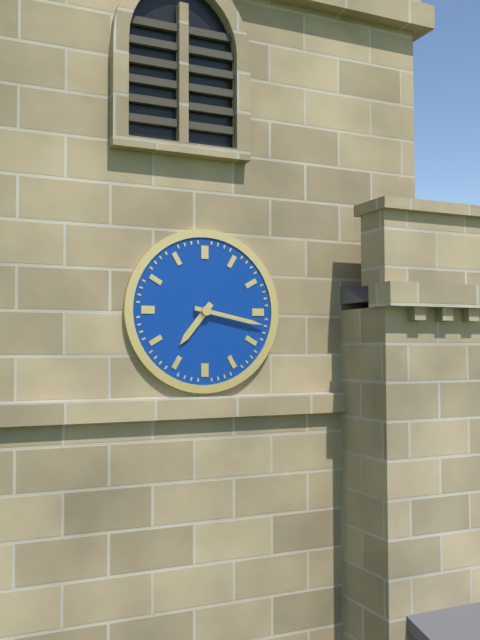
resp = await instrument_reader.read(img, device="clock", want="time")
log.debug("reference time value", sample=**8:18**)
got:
**7:17**
